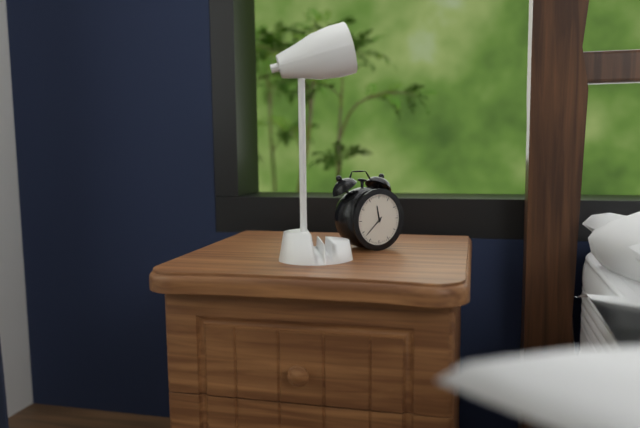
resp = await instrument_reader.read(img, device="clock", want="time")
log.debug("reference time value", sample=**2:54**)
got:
**11:38**
